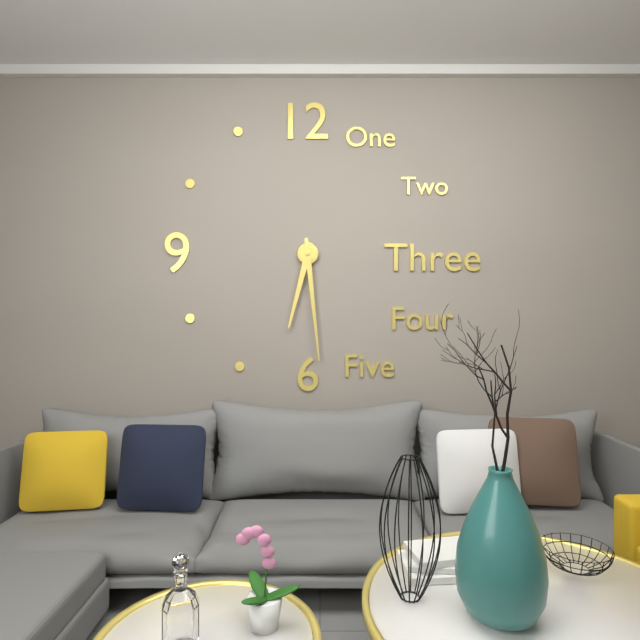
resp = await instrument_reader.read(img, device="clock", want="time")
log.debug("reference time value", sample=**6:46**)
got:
**6:29**
